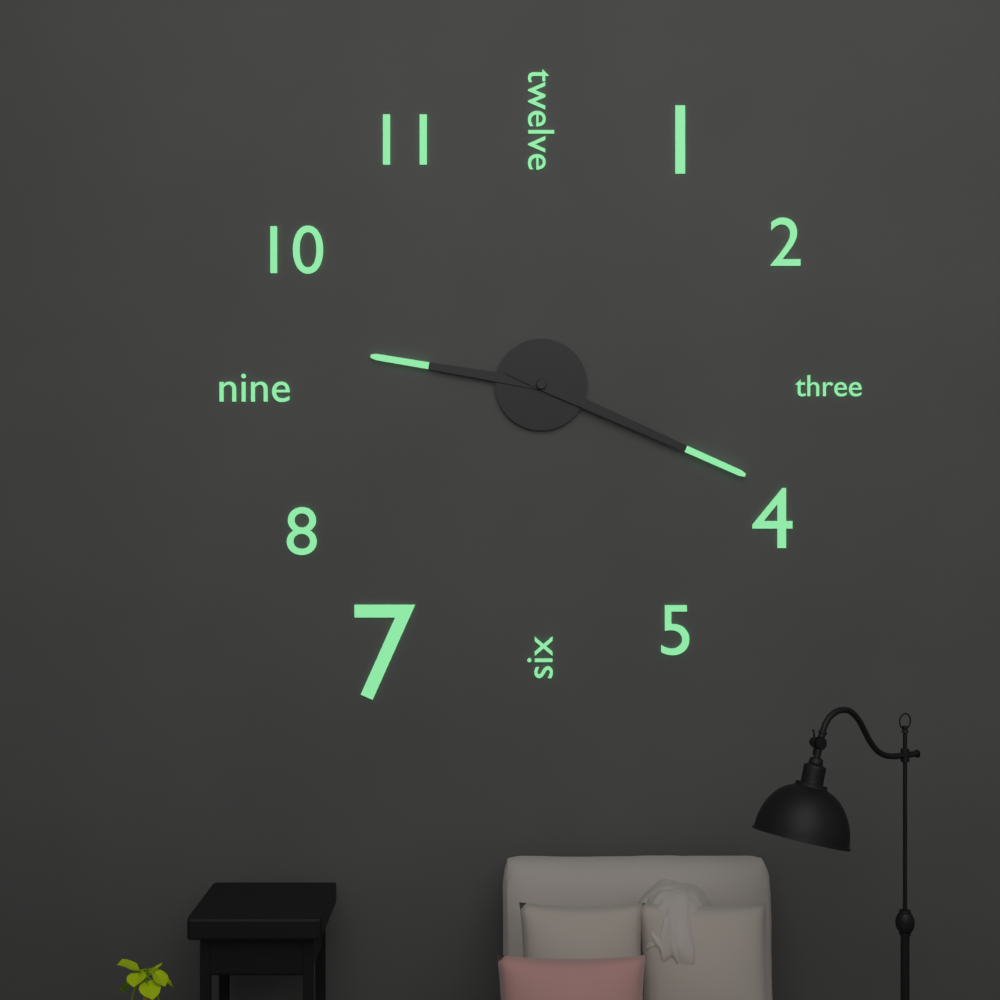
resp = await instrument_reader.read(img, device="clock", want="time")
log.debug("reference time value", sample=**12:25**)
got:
**9:19**
